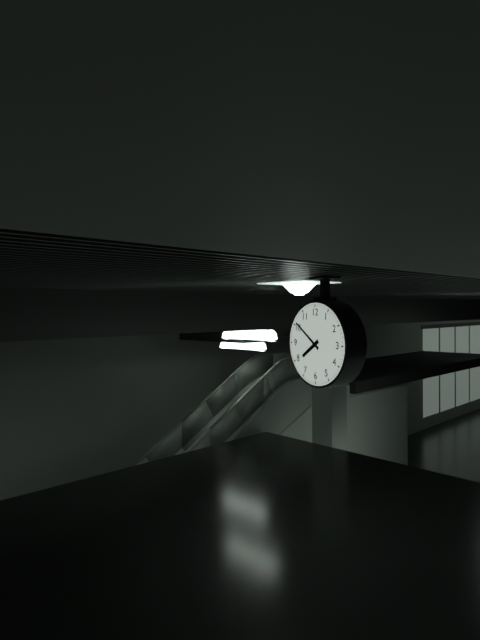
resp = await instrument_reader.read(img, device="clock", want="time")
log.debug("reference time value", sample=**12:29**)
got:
**7:51**
